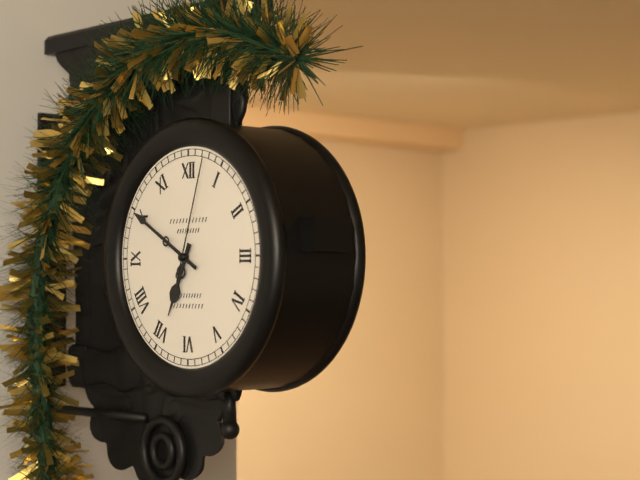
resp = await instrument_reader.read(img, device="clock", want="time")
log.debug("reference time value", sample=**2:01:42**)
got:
**6:50:03**
